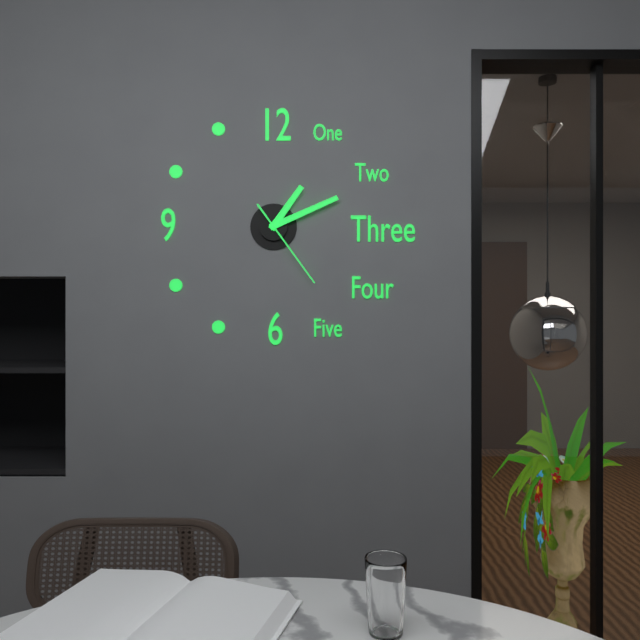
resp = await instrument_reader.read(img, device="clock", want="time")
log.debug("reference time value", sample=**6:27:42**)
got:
**1:11:24**
